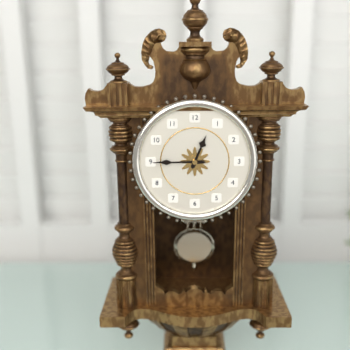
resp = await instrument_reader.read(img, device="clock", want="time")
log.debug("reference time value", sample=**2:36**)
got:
**12:45**
